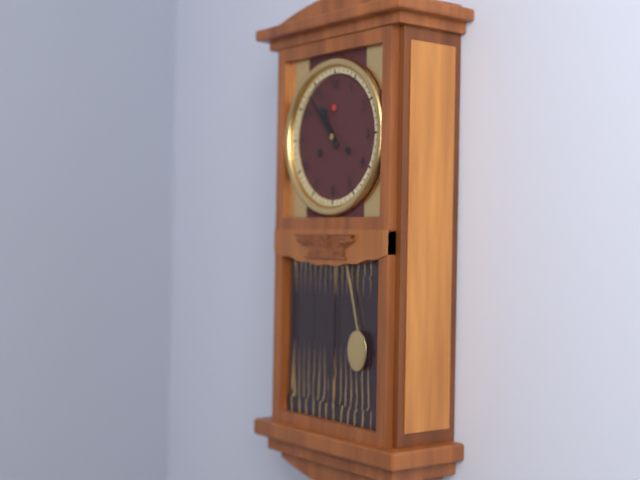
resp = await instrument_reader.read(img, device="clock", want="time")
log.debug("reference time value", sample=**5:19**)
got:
**10:53**
